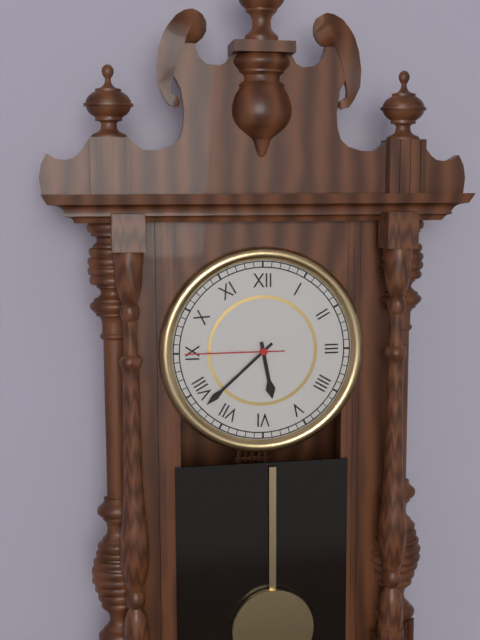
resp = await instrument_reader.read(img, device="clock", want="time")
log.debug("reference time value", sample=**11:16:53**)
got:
**5:38:45**
